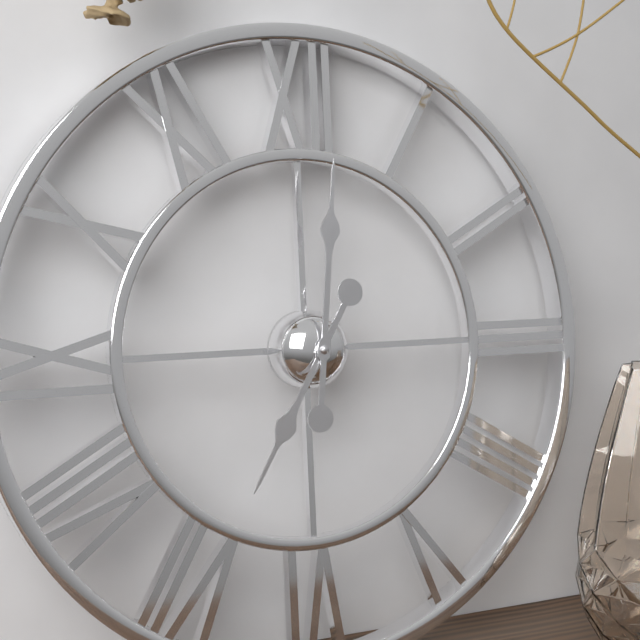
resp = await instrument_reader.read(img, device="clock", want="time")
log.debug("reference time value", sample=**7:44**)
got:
**7:01**
